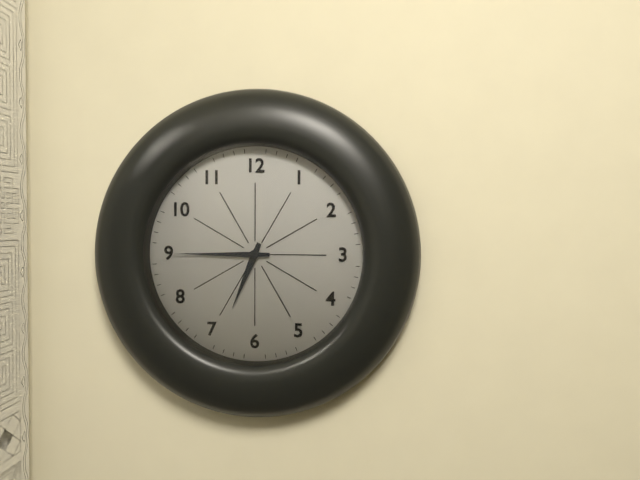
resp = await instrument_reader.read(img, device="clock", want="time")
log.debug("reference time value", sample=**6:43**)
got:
**6:45**
